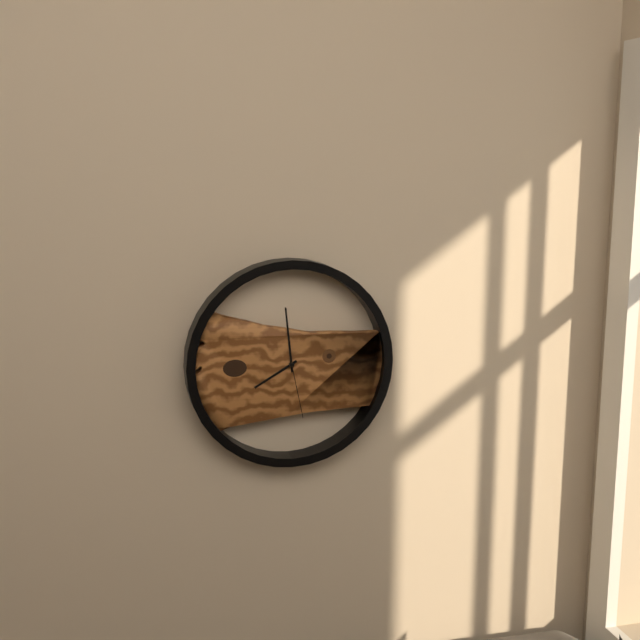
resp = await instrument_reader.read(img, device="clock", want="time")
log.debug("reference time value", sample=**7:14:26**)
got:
**7:59:28**
